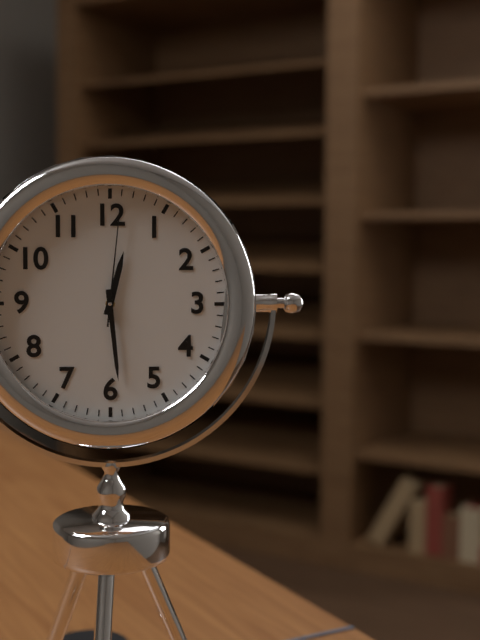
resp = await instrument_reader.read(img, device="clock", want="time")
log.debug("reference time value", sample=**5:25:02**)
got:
**12:29:01**
